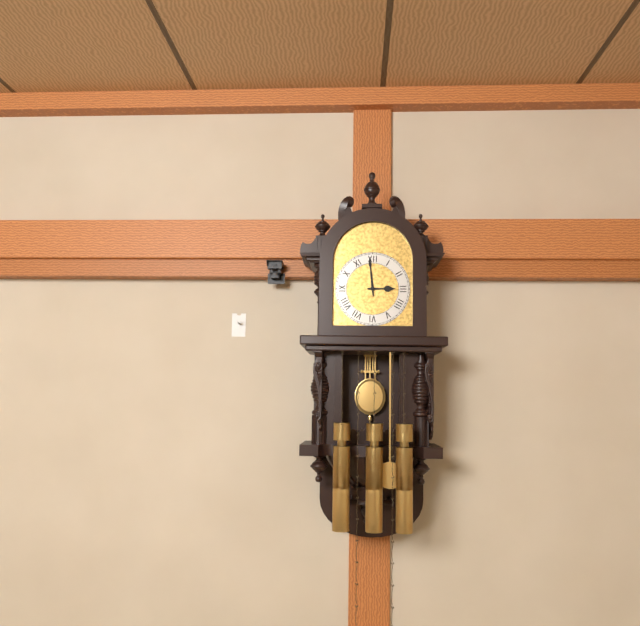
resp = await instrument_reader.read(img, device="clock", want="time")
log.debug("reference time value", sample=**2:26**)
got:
**2:59**
